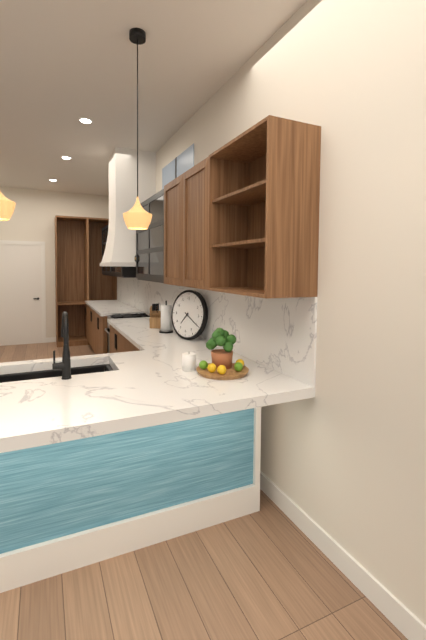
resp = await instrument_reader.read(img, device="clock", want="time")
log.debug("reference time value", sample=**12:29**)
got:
**7:20**
